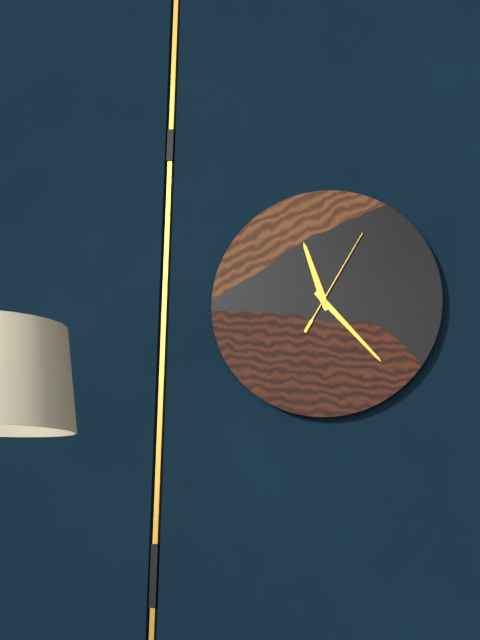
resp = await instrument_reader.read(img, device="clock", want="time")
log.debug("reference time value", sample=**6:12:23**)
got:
**11:23:05**
